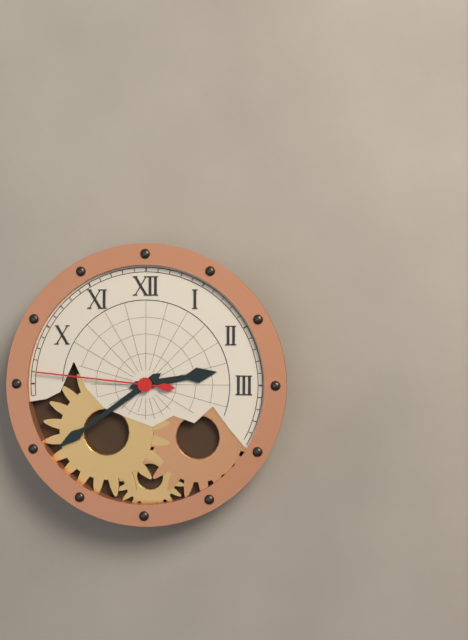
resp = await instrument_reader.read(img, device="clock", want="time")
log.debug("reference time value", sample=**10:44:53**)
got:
**2:39:46**
